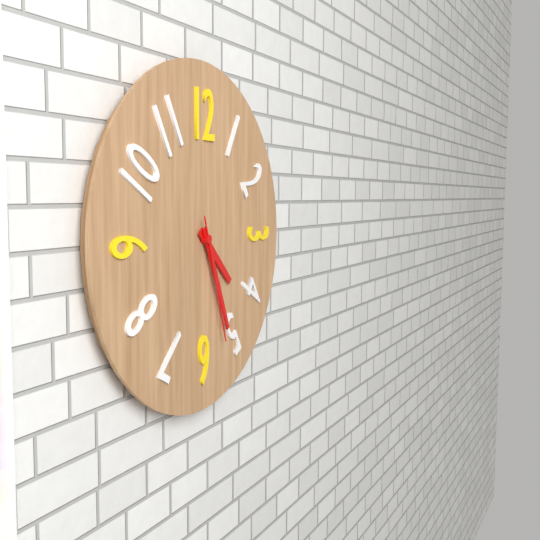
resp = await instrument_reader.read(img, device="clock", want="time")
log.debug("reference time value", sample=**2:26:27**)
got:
**4:26:27**
